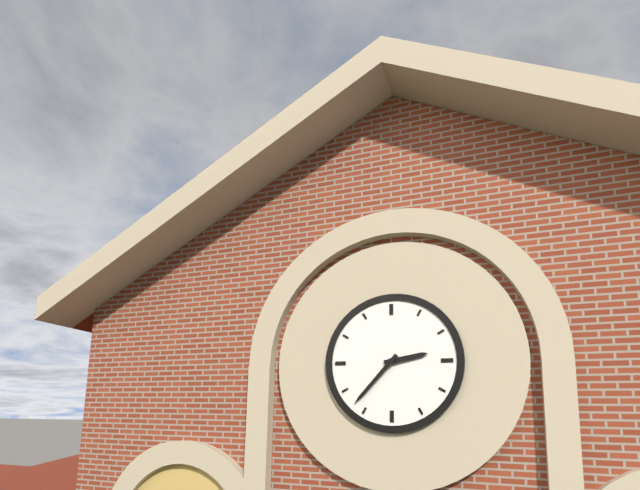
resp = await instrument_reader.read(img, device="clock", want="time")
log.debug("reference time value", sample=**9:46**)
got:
**2:37**
